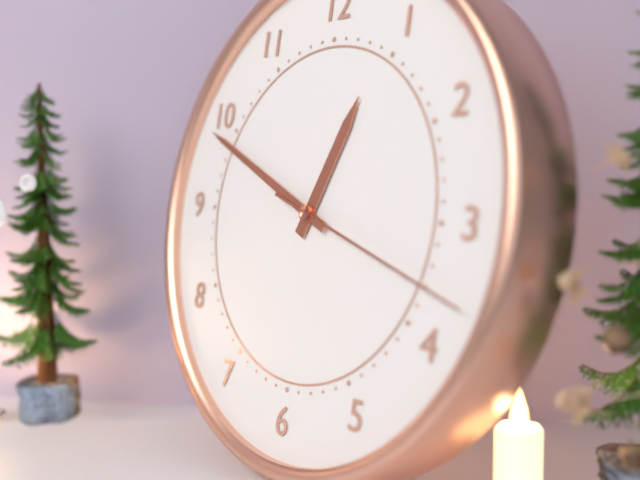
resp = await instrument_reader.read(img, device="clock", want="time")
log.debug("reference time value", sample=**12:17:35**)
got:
**12:49:18**
